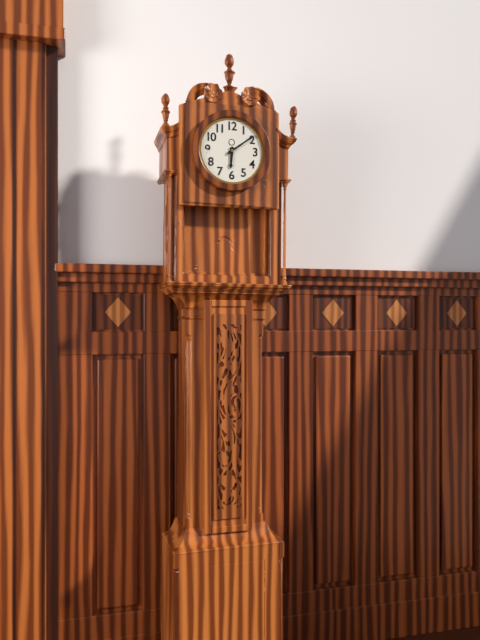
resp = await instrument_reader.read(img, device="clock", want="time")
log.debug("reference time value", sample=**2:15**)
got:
**6:09**
